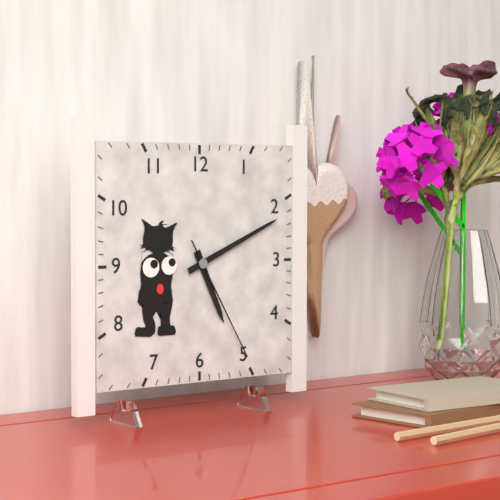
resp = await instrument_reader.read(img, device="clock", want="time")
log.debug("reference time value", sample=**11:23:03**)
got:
**5:11:25**
